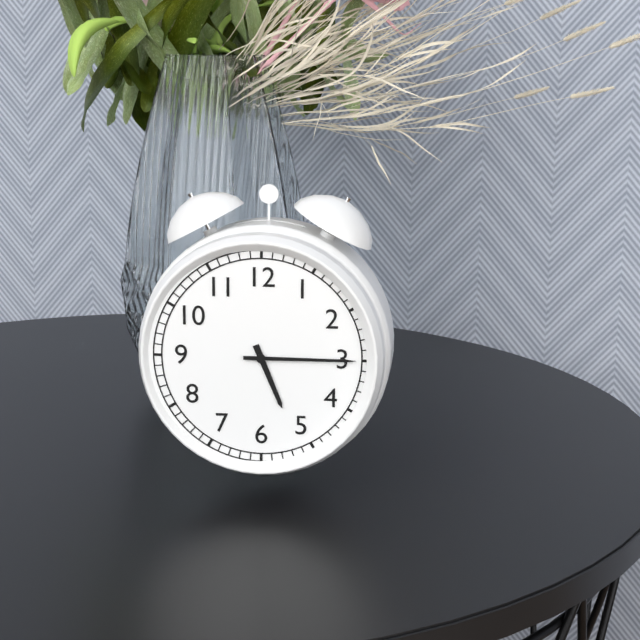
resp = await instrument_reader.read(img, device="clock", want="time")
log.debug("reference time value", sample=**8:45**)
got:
**5:15**
